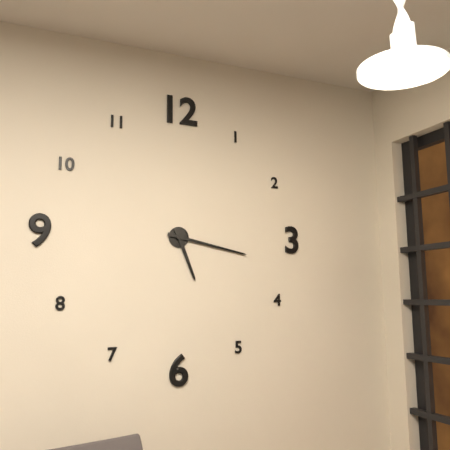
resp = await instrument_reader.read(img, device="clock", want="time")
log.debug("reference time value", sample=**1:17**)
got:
**5:17**
